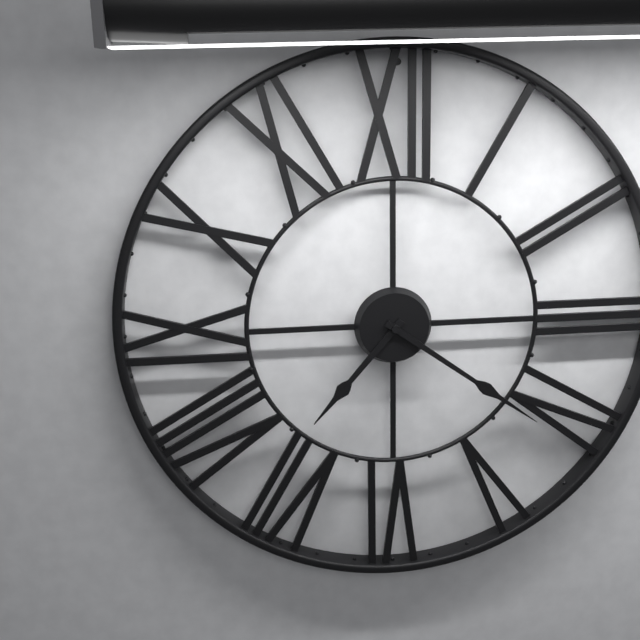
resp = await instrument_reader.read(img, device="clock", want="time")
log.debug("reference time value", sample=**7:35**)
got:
**7:21**
